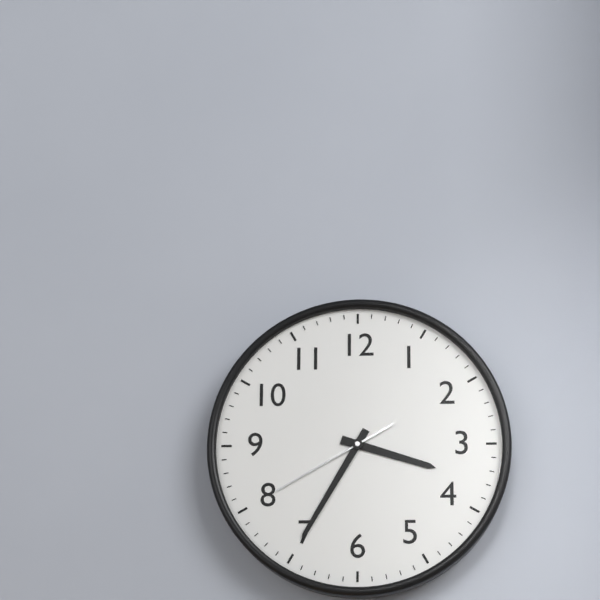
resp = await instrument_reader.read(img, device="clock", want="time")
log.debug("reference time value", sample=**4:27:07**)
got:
**3:35:40**
